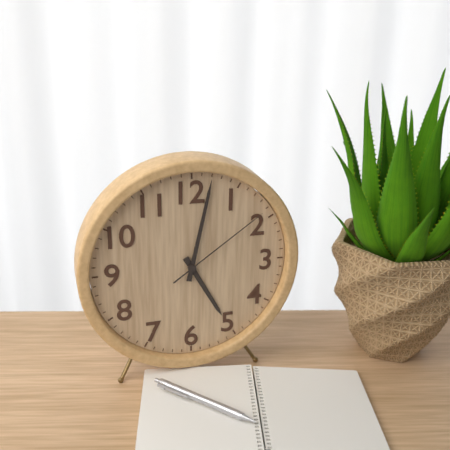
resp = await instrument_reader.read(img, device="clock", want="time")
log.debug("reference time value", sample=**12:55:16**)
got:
**5:02:09**
